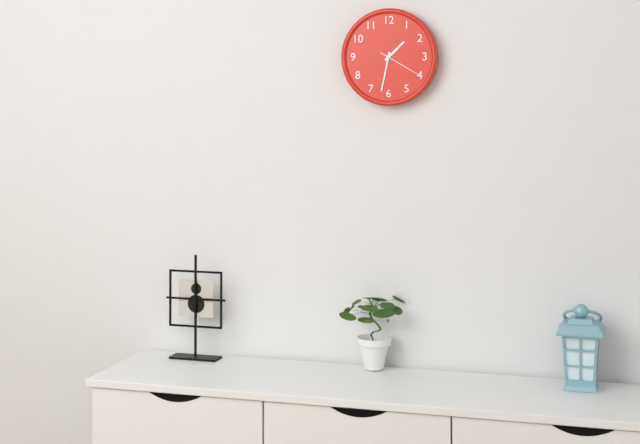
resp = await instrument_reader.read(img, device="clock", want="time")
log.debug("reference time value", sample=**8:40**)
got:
**1:32**
